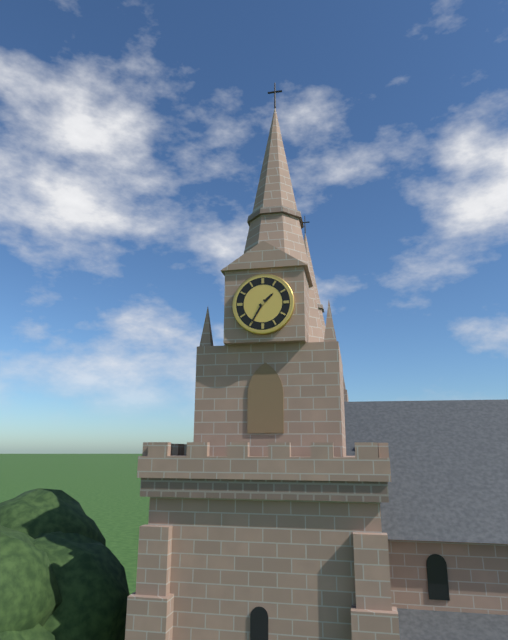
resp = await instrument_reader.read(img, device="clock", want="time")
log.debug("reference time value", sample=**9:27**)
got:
**1:35**
